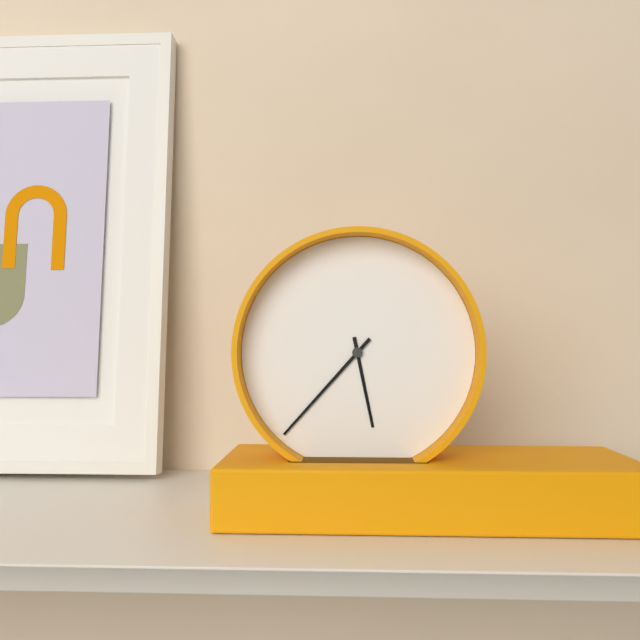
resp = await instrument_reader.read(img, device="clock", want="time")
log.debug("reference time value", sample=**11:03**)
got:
**5:37**
